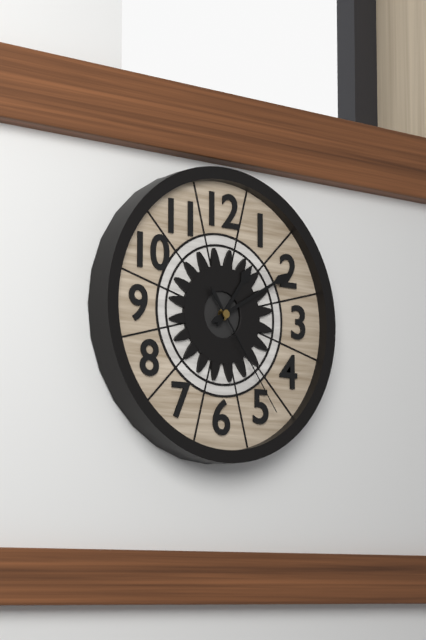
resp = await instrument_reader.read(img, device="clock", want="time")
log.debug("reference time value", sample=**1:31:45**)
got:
**1:10:24**
